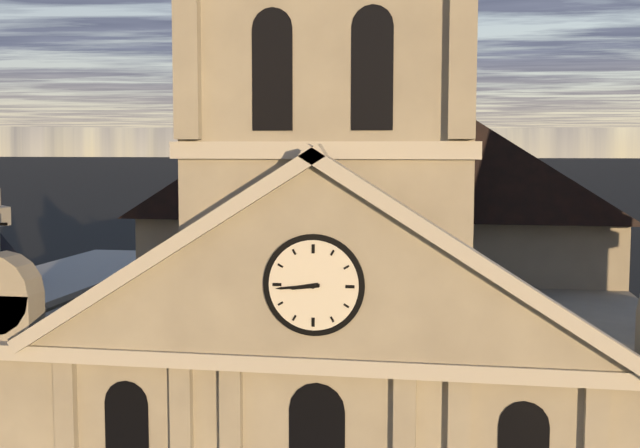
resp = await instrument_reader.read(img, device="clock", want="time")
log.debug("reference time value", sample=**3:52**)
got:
**8:44**
